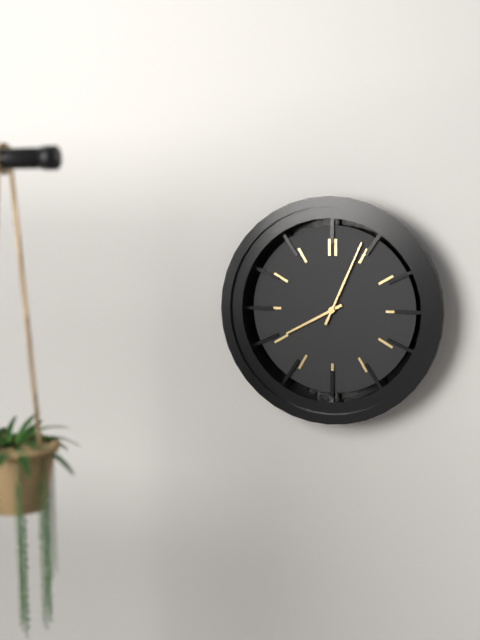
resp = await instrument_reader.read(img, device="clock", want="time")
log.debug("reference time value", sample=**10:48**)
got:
**8:04**
